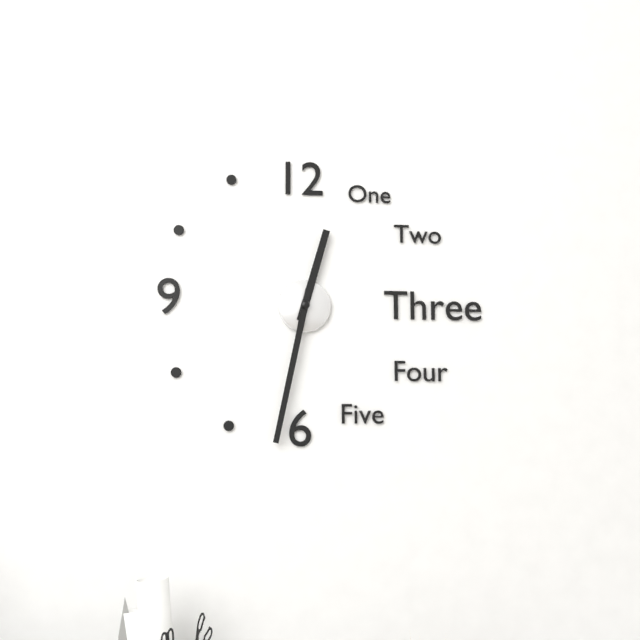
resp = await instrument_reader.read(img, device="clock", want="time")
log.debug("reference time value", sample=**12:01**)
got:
**12:32**
